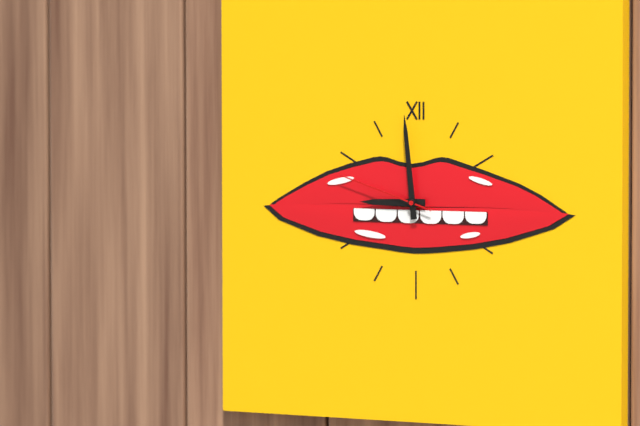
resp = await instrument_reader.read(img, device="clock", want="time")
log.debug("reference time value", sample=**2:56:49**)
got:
**8:59:48**
